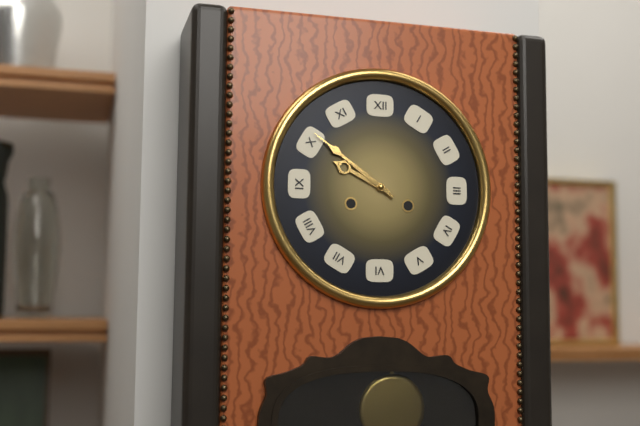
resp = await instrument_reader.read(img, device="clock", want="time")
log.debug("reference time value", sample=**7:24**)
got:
**9:51**
